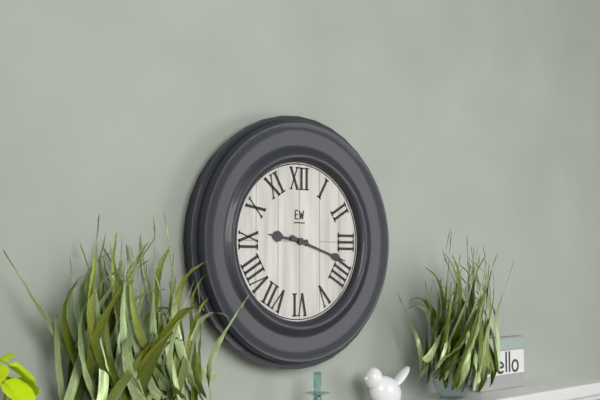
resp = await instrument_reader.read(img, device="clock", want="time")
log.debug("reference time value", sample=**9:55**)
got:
**9:18**
